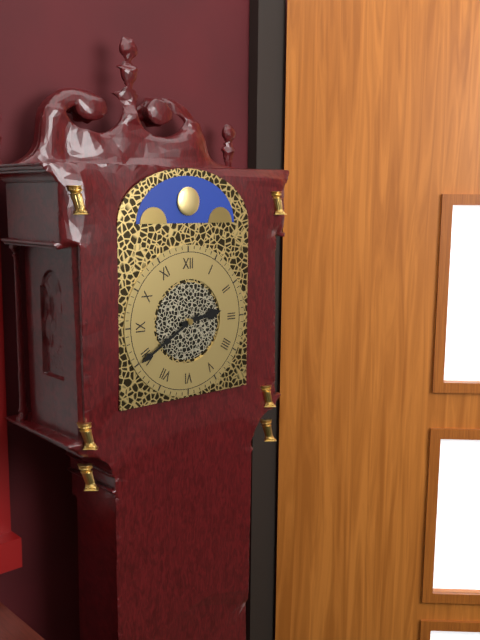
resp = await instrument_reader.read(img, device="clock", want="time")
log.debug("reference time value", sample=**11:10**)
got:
**2:40**
